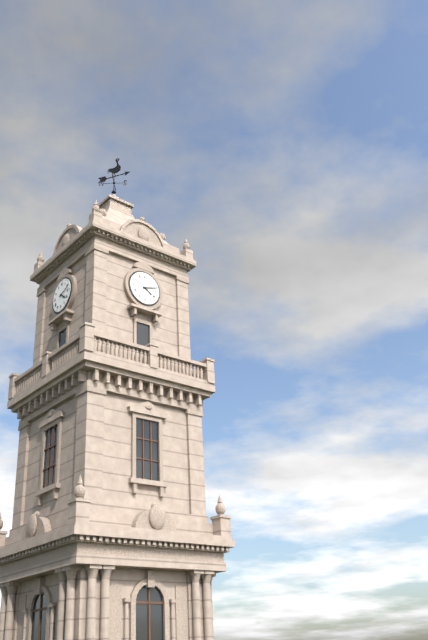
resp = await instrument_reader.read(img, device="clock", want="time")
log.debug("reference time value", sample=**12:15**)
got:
**4:12**
